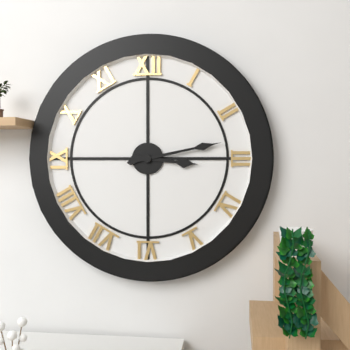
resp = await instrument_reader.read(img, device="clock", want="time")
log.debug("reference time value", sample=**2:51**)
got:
**3:13**
